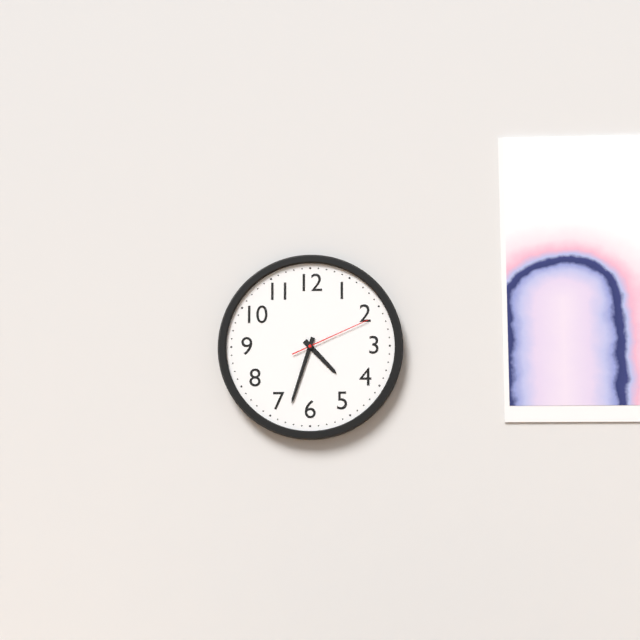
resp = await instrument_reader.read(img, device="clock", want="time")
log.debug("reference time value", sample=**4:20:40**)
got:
**4:33:11**
